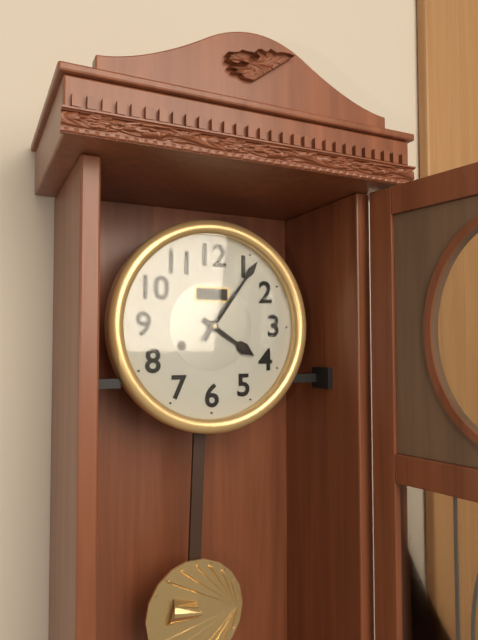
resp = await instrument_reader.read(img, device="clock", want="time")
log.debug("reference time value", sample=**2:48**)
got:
**4:06**
